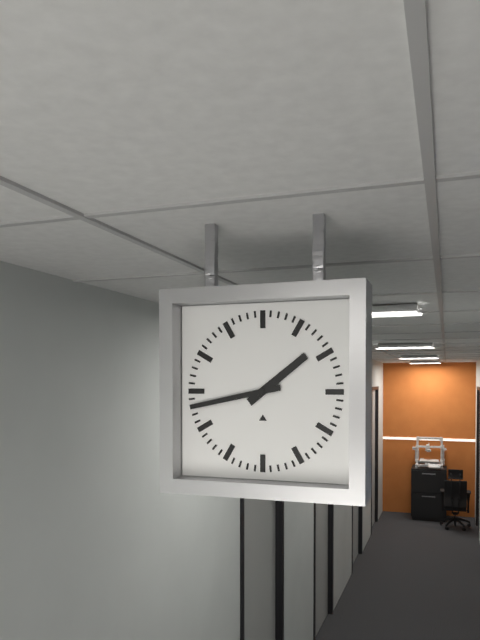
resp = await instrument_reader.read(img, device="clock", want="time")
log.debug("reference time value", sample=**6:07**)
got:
**1:43**
